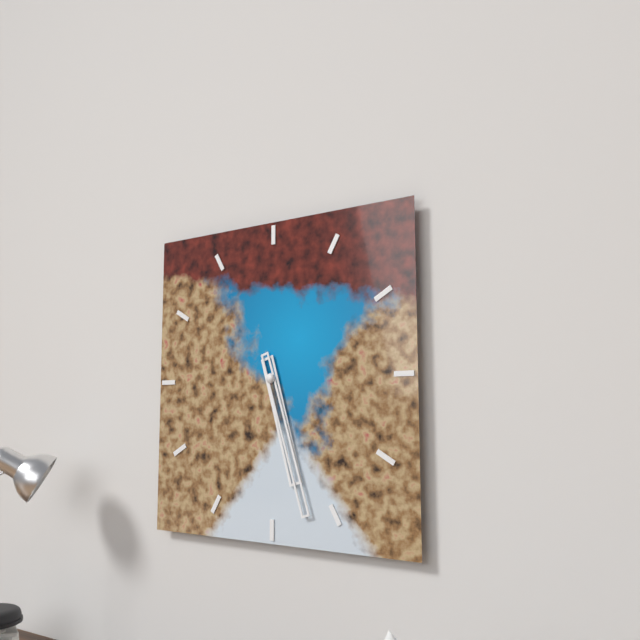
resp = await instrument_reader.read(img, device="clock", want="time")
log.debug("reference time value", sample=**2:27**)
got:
**5:27**
